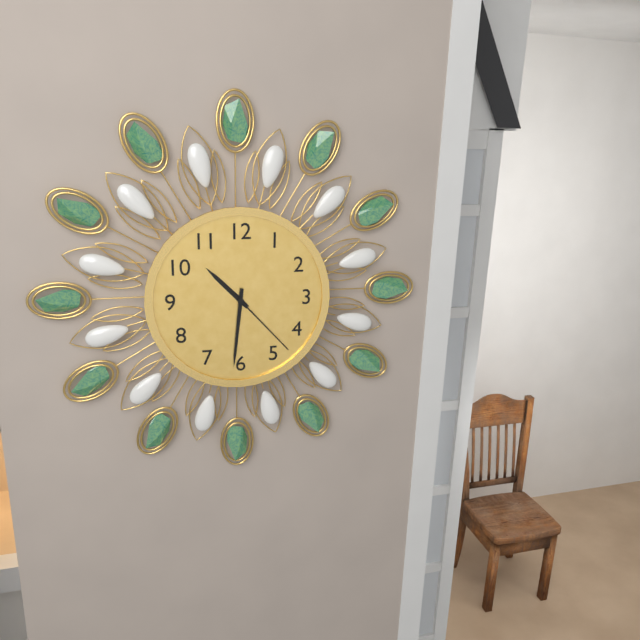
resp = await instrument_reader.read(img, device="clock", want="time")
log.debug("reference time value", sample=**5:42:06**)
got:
**10:31:23**
